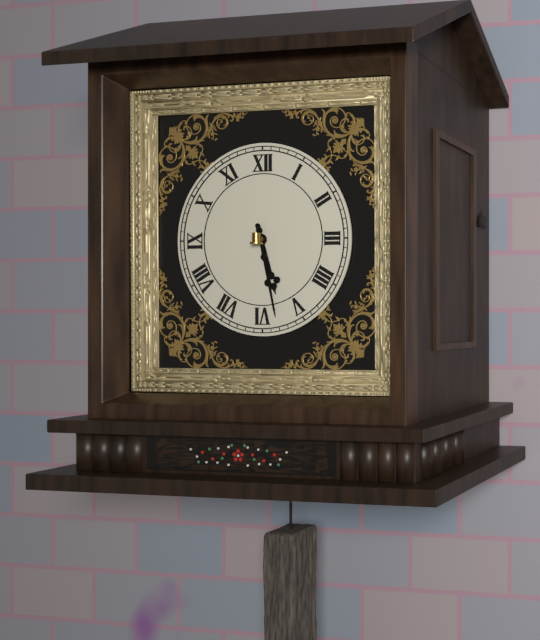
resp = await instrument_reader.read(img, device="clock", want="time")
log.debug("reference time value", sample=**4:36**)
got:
**5:28**
